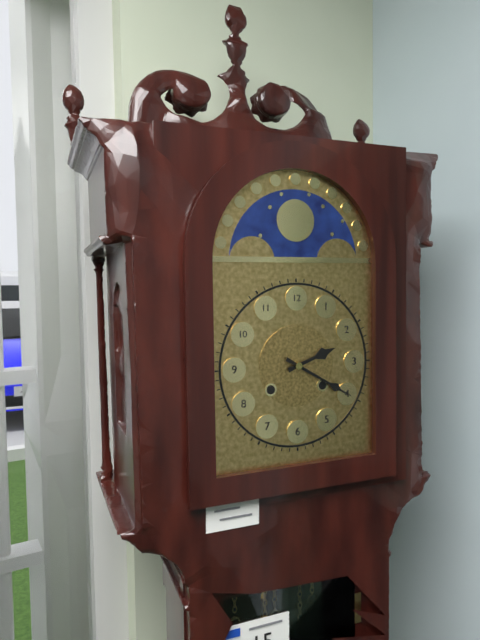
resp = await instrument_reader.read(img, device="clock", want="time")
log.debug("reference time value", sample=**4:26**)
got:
**2:20**
